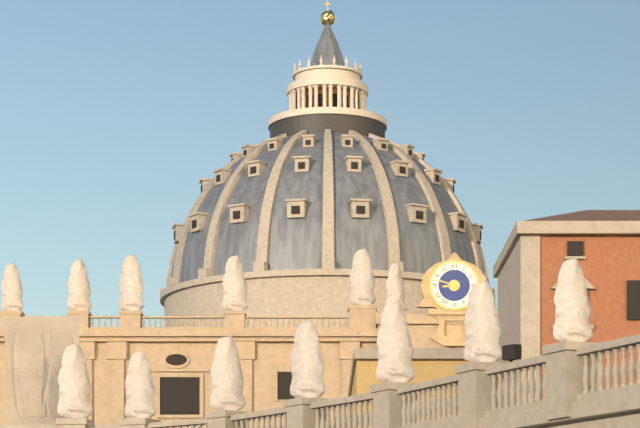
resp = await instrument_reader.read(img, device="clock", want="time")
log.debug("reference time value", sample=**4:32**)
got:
**8:48**
